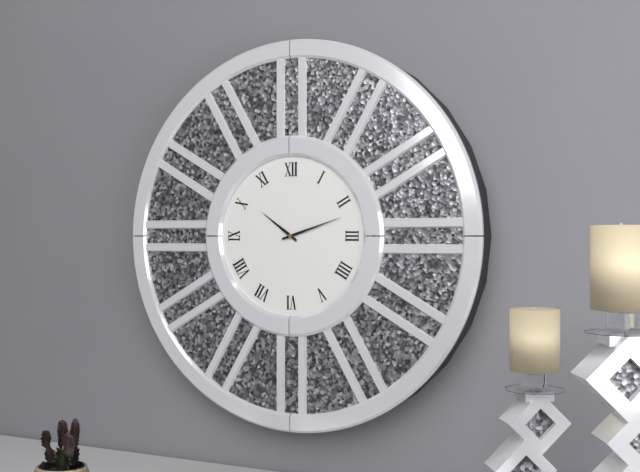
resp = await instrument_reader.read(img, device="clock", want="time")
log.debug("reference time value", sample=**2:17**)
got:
**10:12**
